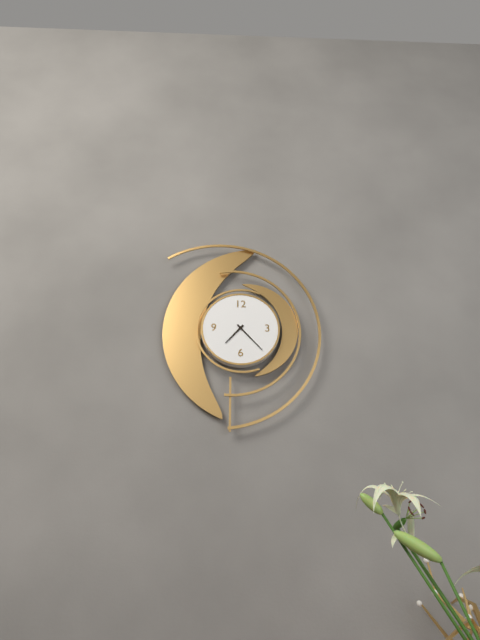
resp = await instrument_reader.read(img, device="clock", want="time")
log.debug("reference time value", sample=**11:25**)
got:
**7:23**
